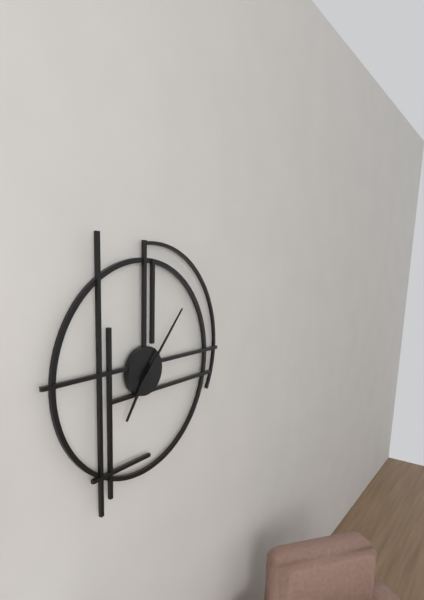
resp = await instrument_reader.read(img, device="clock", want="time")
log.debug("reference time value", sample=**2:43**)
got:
**7:07**
